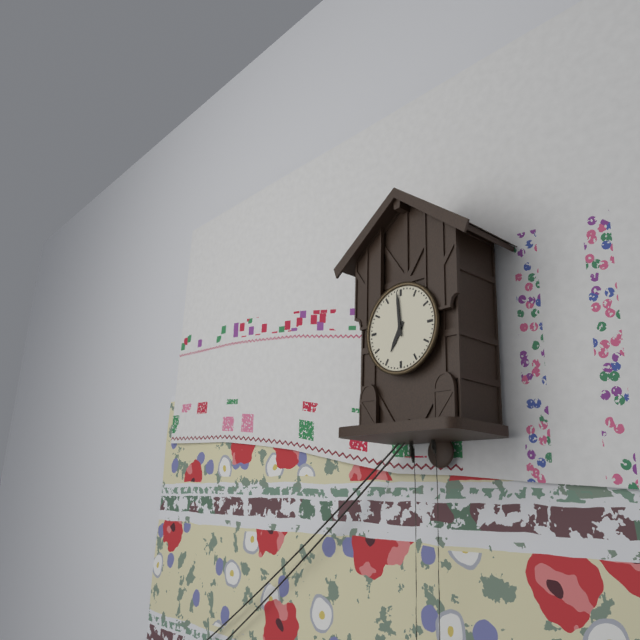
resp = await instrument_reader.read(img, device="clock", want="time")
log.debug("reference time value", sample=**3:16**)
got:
**6:59**
